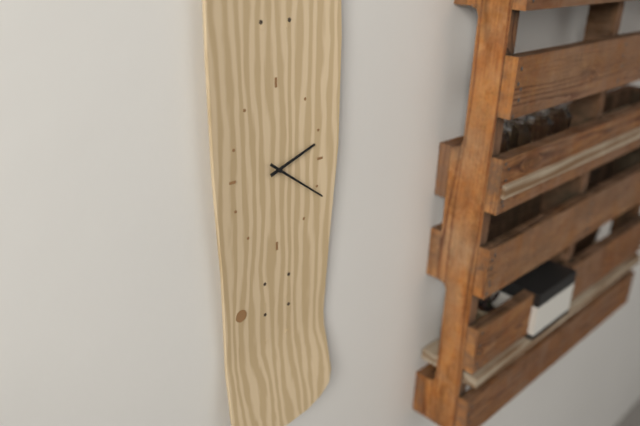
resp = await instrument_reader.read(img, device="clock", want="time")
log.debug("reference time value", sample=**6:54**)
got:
**2:21**
